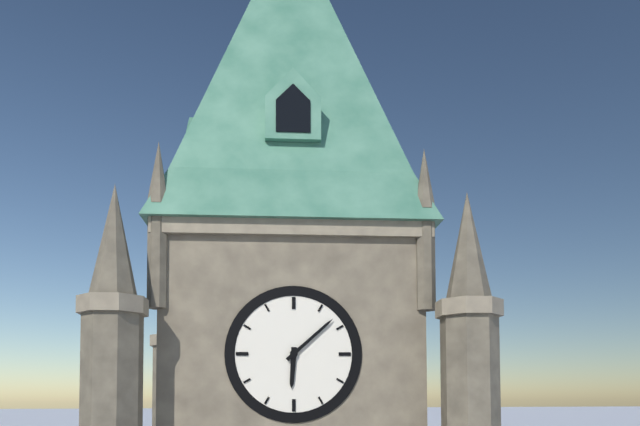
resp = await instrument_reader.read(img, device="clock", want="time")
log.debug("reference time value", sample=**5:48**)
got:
**6:08**
